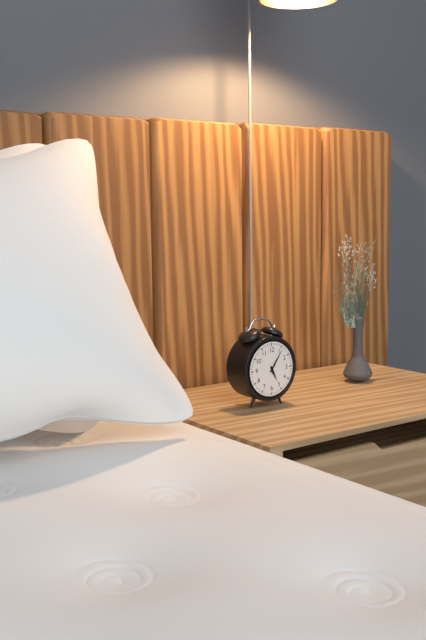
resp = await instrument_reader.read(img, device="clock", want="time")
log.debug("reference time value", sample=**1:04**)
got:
**5:06**
